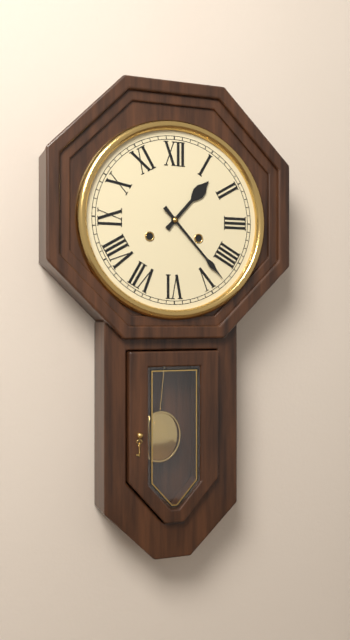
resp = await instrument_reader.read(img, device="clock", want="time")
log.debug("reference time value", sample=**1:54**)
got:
**1:23**
